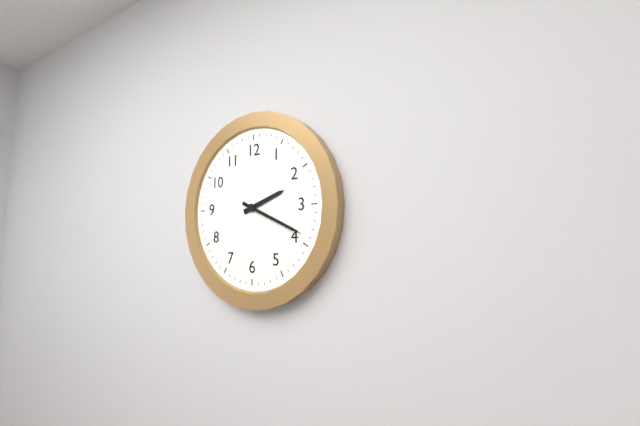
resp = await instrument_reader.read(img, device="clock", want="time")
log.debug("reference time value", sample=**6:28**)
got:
**2:19**
